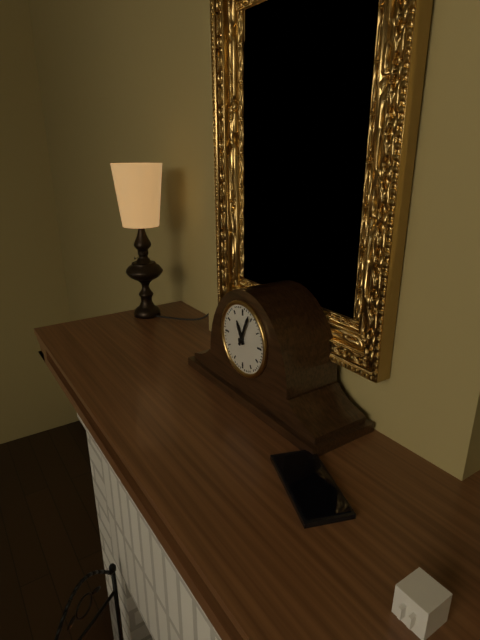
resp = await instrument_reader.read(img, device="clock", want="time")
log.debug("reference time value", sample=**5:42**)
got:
**11:04**
